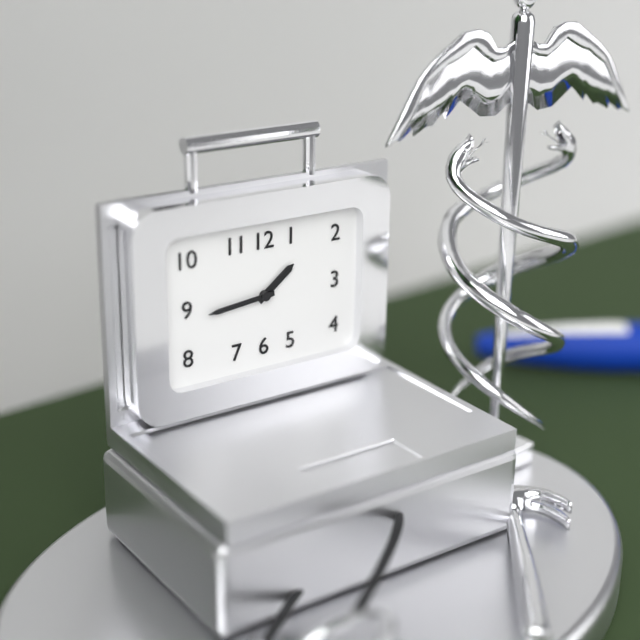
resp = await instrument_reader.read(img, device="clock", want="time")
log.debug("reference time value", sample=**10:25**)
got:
**1:44**
